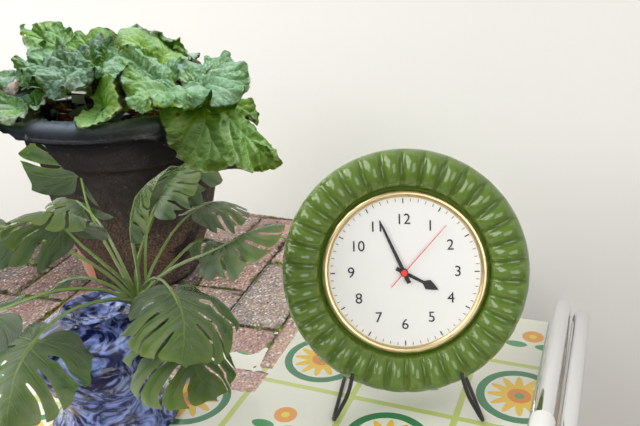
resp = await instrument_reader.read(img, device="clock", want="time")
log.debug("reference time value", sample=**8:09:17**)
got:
**3:56:07**
